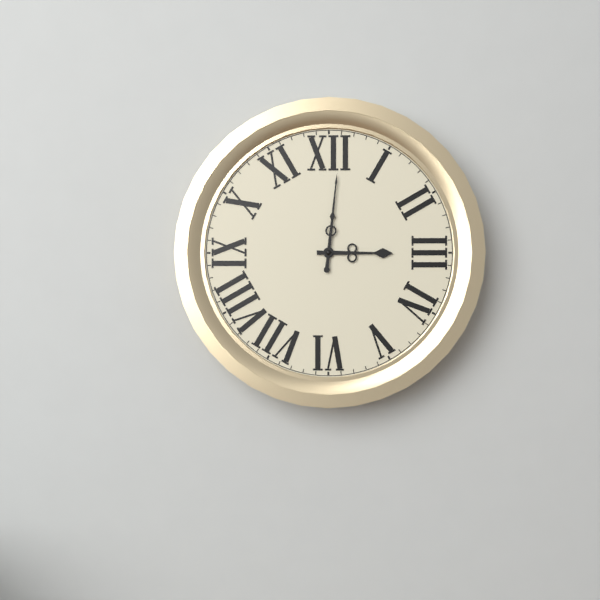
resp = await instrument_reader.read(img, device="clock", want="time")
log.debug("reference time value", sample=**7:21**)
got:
**3:01**
